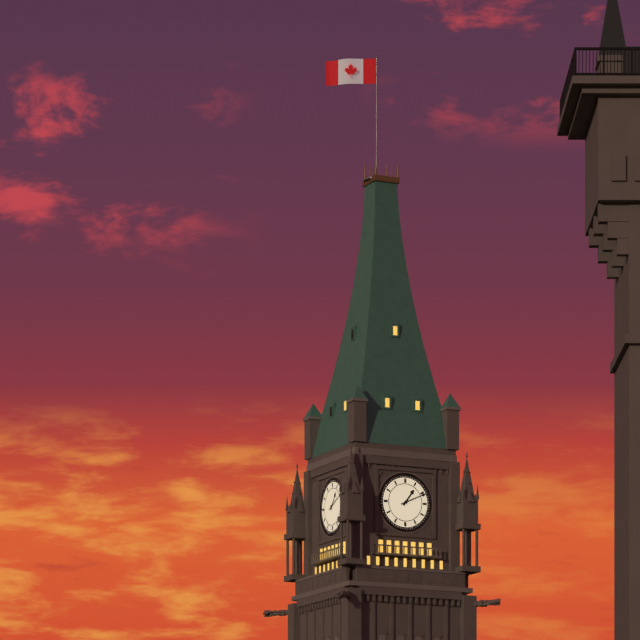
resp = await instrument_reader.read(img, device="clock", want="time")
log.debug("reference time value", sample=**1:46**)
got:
**1:11**
